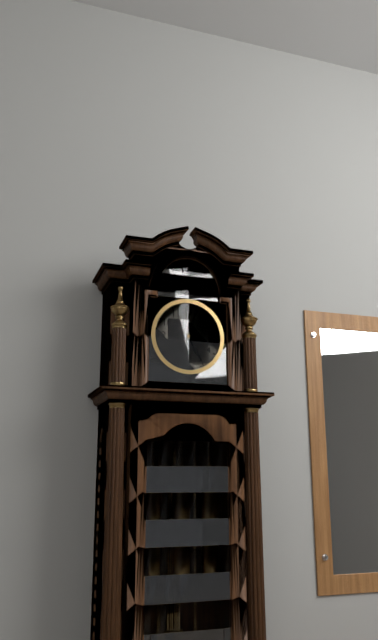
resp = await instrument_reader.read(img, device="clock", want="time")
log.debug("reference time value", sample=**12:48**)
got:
**5:03**
